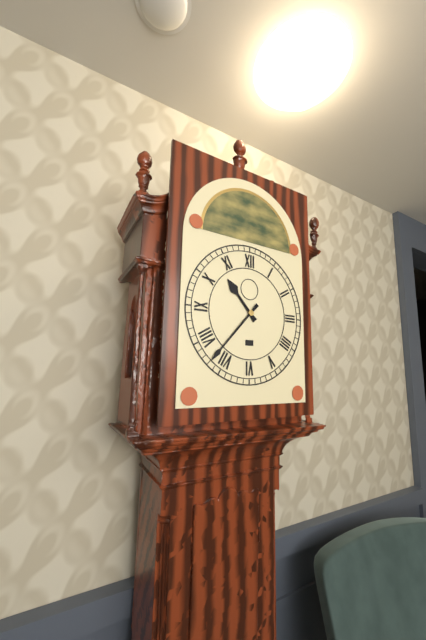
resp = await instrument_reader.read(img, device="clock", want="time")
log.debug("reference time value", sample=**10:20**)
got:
**10:37**
